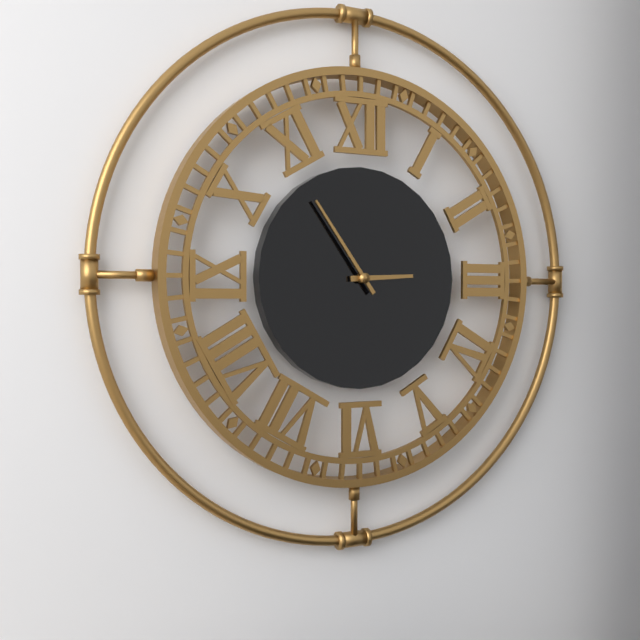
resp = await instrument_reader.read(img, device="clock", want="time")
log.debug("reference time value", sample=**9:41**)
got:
**2:54**
